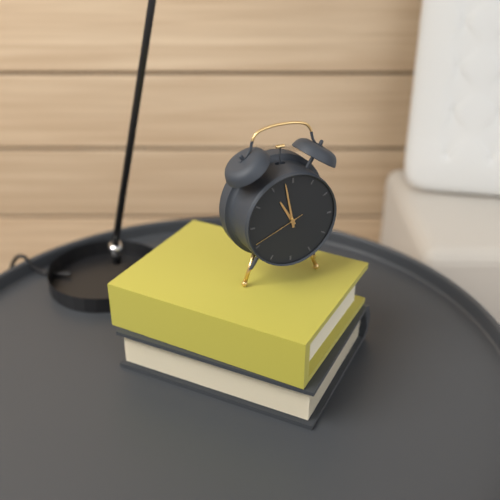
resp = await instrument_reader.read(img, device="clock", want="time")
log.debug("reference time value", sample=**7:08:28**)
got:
**10:58:41**
